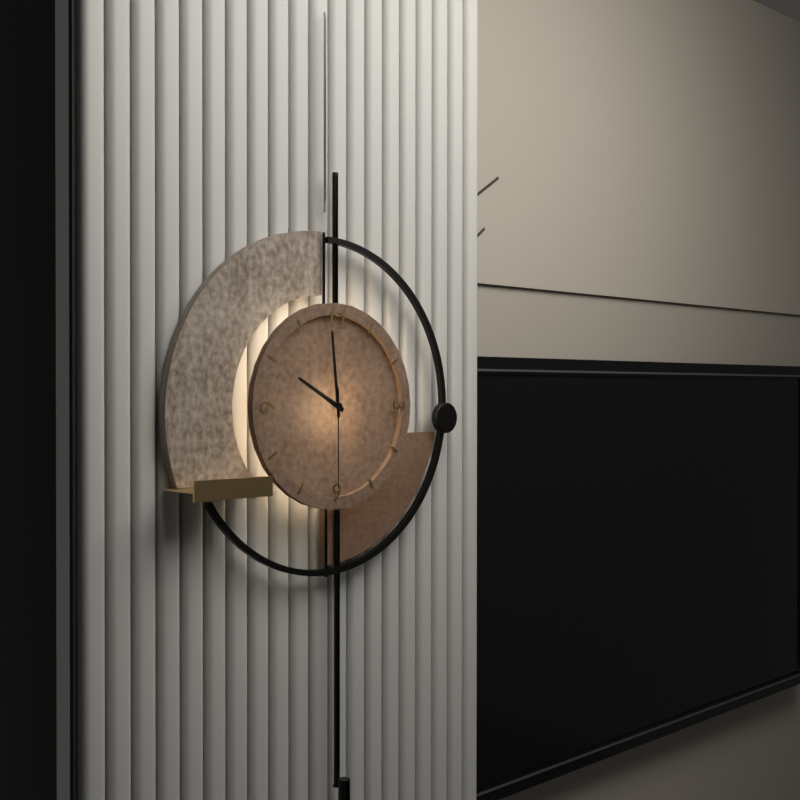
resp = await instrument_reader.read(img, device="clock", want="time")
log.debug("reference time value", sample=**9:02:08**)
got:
**9:59:30**
